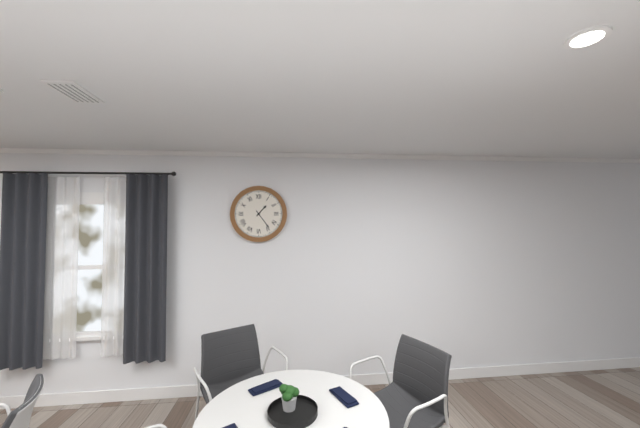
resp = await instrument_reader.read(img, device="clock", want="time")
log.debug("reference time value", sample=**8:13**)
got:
**1:24**
